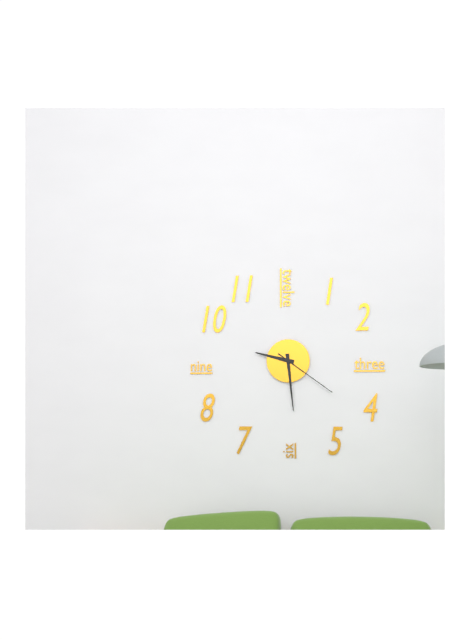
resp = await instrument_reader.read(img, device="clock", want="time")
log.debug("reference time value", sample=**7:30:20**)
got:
**9:29:21**
